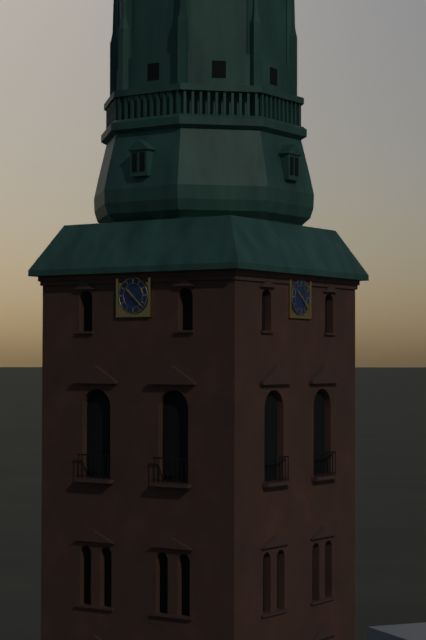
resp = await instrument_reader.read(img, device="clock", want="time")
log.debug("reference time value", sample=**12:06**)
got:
**10:22**
